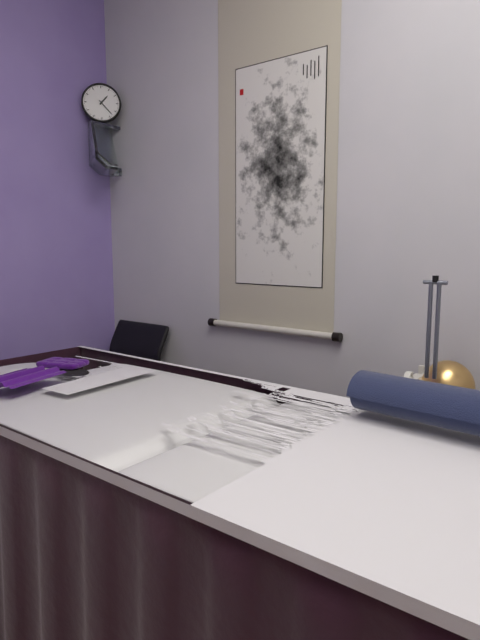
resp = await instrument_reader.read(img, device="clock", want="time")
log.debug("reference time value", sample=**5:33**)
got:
**1:23**
